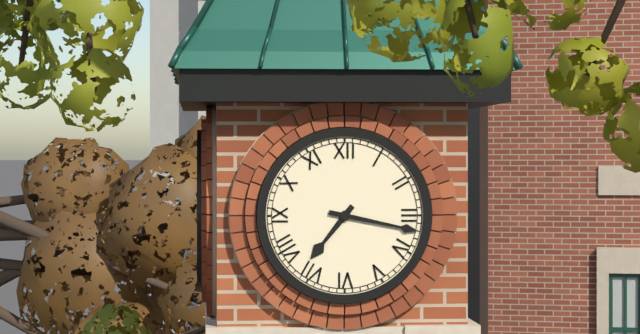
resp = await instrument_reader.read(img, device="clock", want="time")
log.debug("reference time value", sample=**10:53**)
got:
**7:17**
